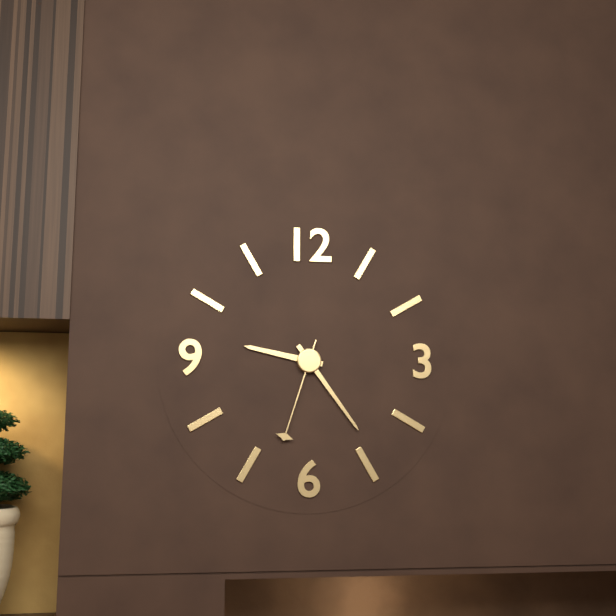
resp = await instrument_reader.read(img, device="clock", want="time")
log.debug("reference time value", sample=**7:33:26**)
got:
**9:24:33**
